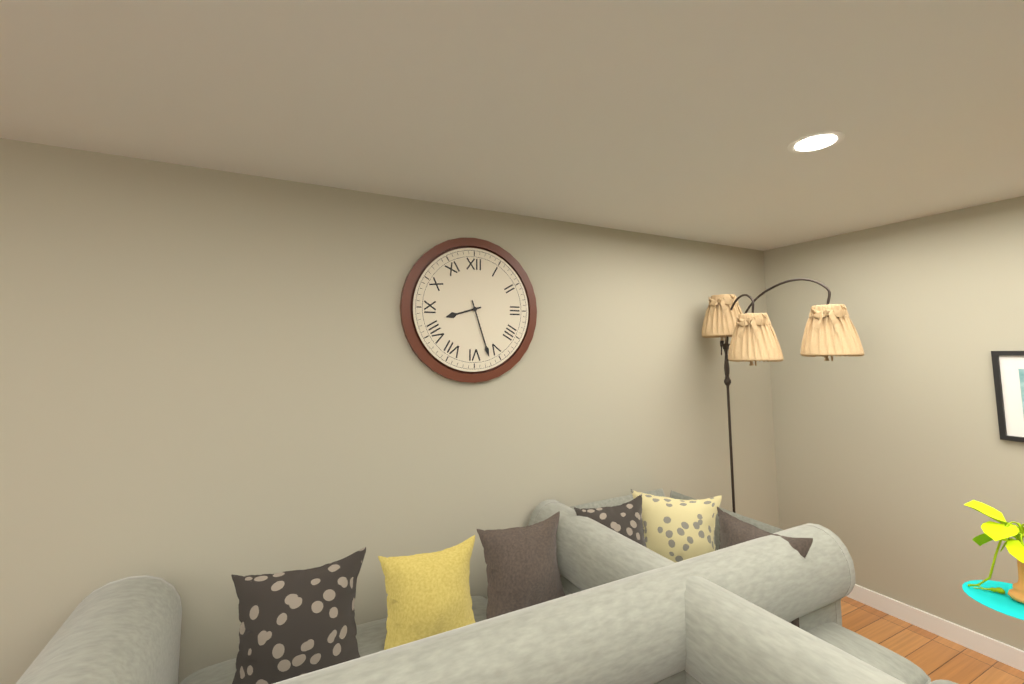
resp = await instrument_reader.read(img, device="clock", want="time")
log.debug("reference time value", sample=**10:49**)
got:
**8:27**
